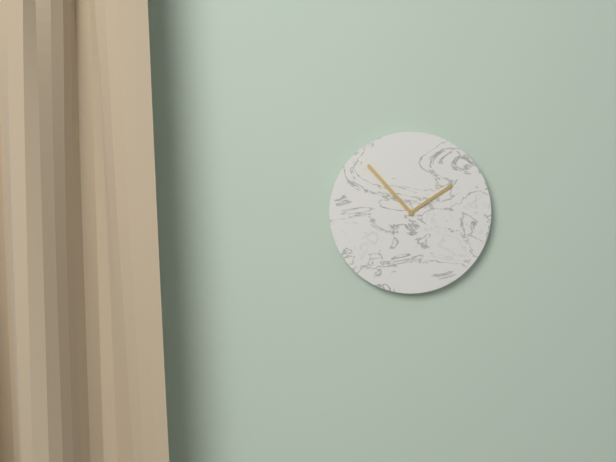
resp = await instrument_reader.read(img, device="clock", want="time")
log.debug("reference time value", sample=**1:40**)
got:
**1:53**
